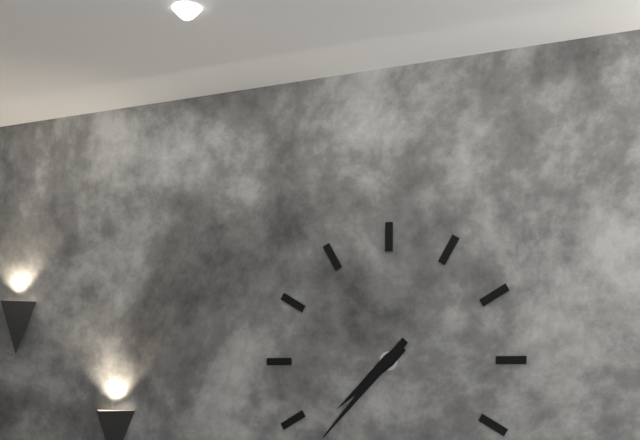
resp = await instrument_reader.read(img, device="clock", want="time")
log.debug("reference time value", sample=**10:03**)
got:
**7:37**
